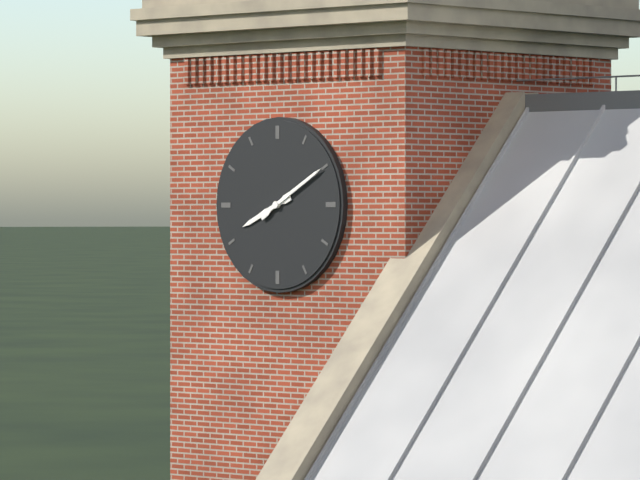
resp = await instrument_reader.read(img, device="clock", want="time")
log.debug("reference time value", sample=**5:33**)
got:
**8:10**
